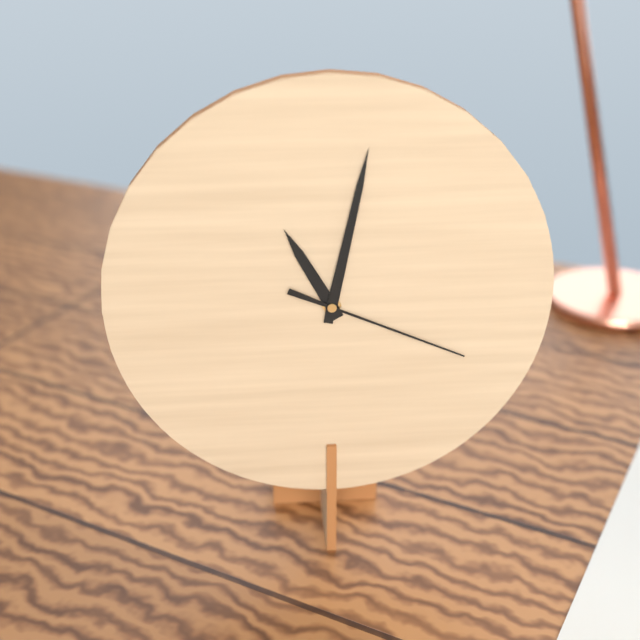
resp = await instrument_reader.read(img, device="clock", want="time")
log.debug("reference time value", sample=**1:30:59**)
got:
**11:02:19**
